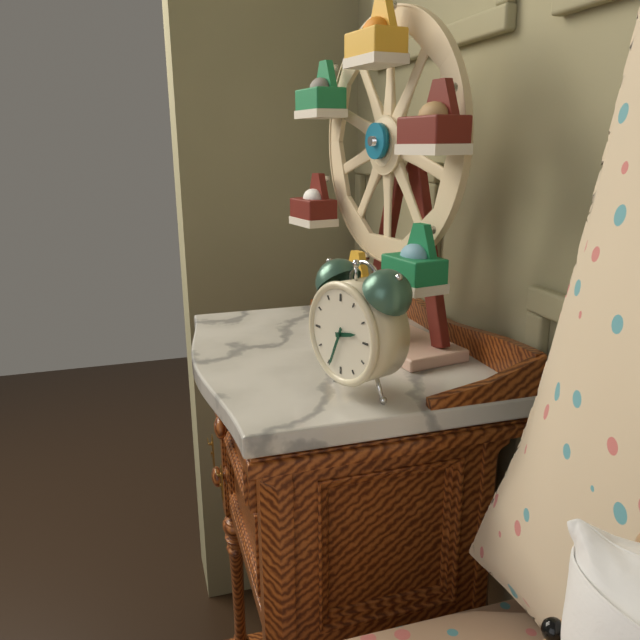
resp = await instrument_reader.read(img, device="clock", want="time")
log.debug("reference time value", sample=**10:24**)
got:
**2:34**
